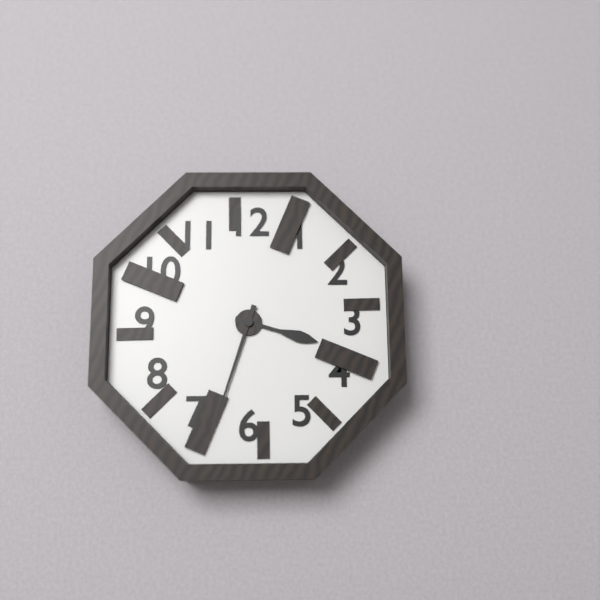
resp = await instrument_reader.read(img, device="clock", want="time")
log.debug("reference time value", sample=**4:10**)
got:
**3:33**
